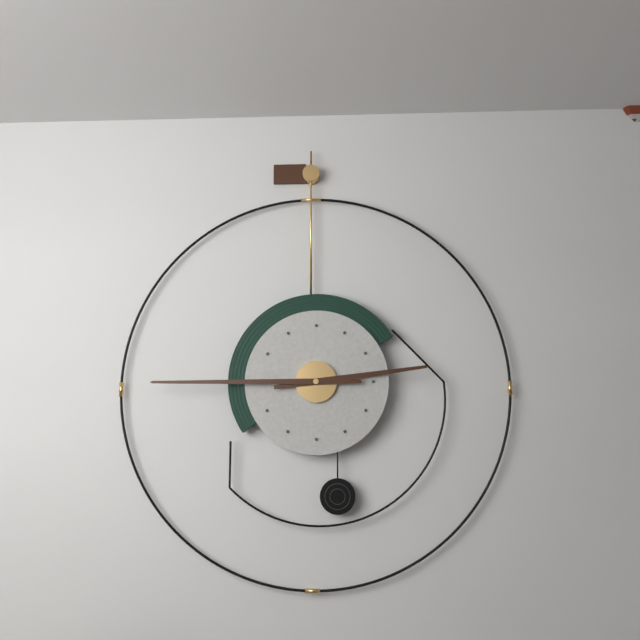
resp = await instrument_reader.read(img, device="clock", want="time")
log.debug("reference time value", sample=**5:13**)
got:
**2:45**
